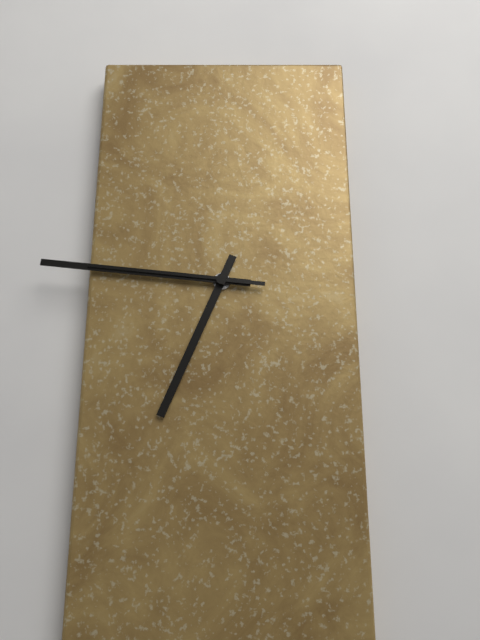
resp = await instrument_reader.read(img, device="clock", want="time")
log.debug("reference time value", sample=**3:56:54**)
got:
**6:46:46**
